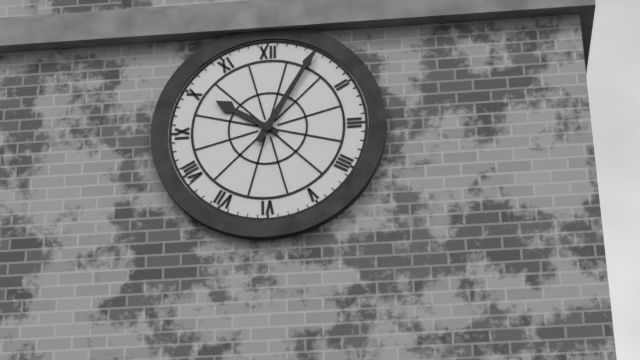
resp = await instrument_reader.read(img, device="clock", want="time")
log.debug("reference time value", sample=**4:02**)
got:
**10:05**
